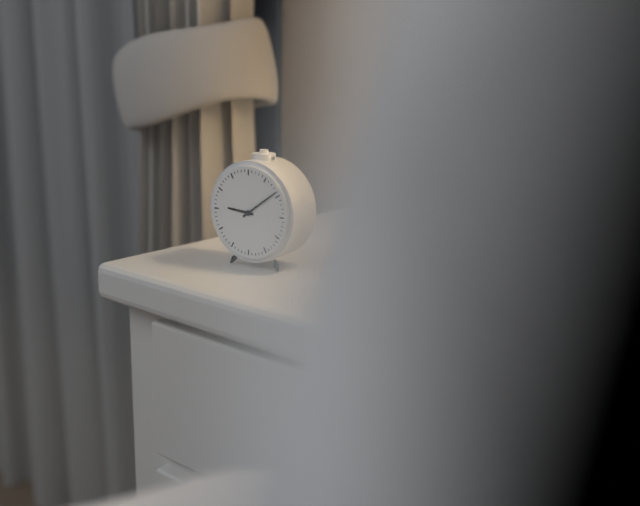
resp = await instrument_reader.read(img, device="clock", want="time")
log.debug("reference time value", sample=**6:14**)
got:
**9:09**
